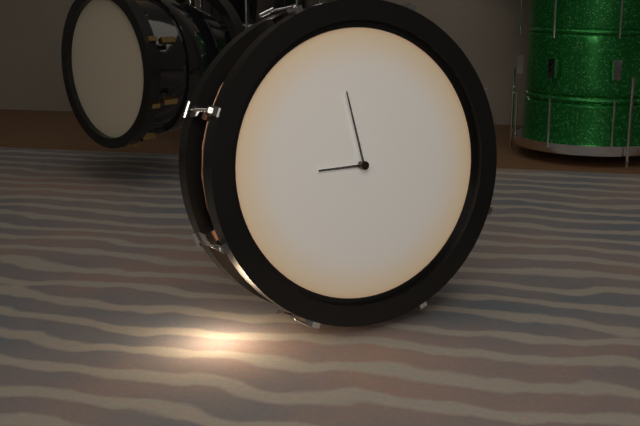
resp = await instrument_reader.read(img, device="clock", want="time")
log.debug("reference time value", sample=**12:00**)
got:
**8:58**
